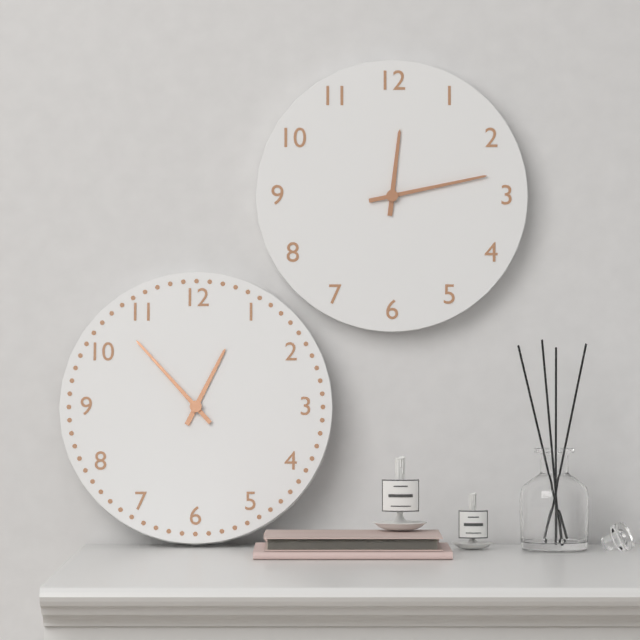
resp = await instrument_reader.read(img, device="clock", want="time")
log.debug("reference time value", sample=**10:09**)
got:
**12:13**
